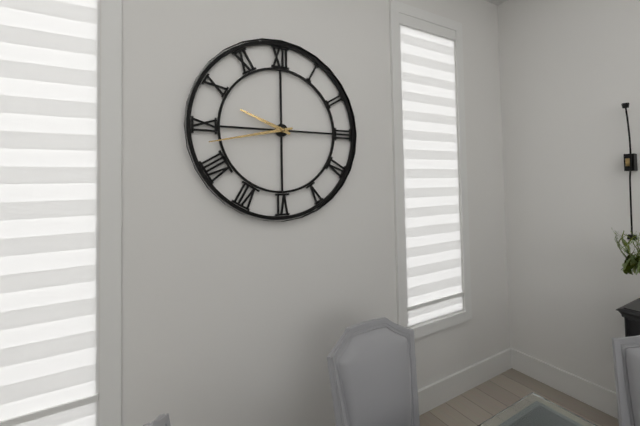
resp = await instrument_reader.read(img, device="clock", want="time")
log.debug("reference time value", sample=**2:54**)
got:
**9:43**
